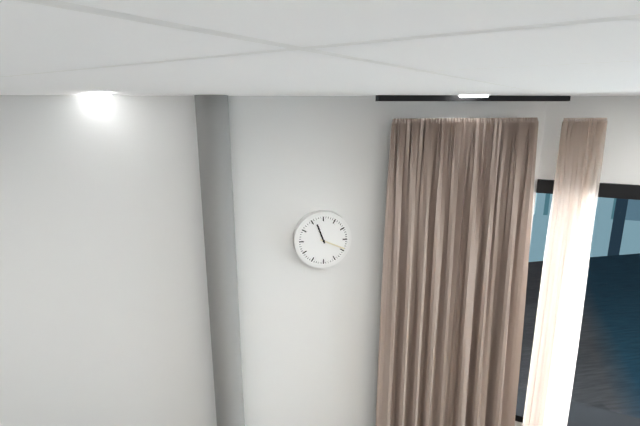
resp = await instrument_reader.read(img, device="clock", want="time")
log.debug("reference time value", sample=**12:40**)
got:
**11:19**
